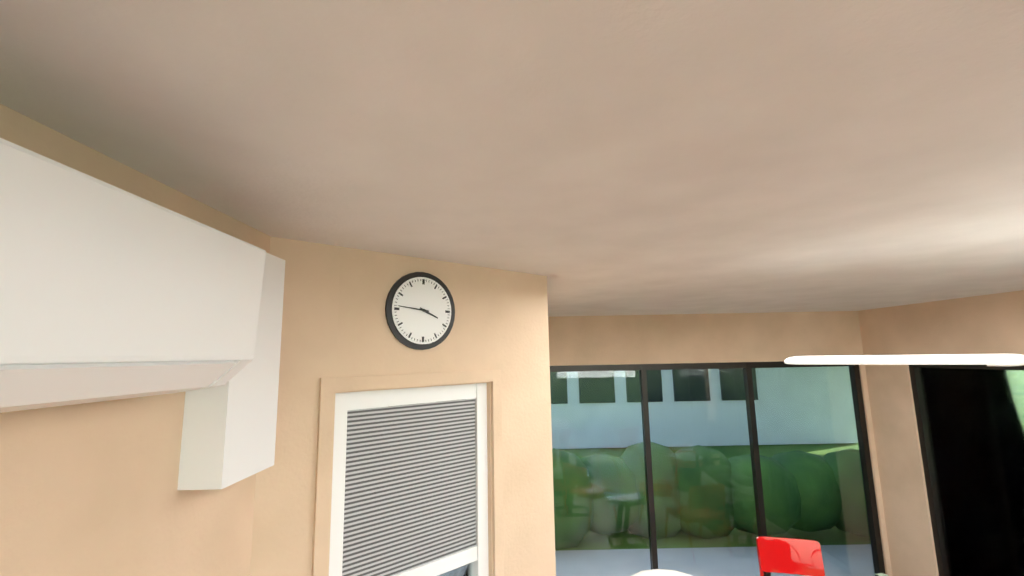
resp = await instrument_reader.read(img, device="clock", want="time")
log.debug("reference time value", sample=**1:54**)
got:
**3:46**
